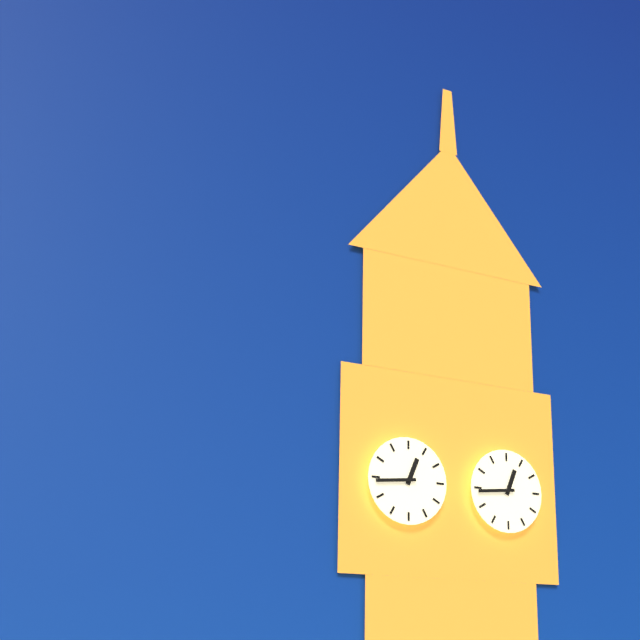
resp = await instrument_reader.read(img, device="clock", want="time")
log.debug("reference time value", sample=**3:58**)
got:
**12:44**
